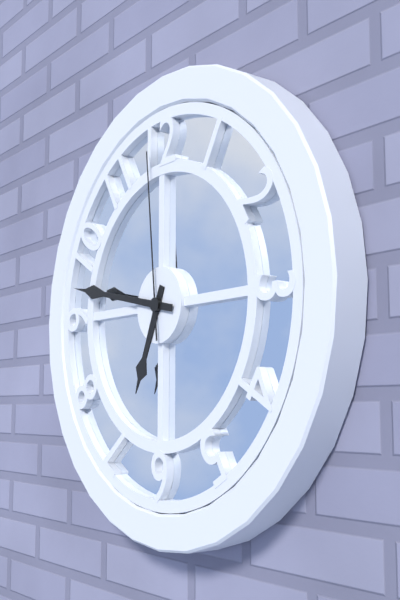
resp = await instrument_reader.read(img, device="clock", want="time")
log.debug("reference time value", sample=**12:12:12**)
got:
**6:47:59**
